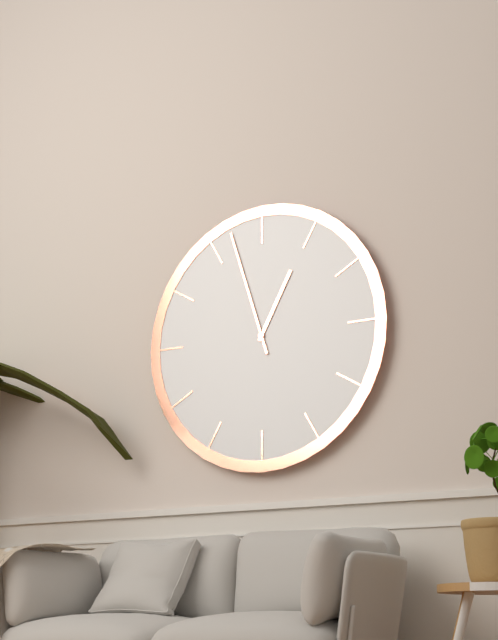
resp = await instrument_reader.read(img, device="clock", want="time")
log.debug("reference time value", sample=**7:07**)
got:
**12:57**
